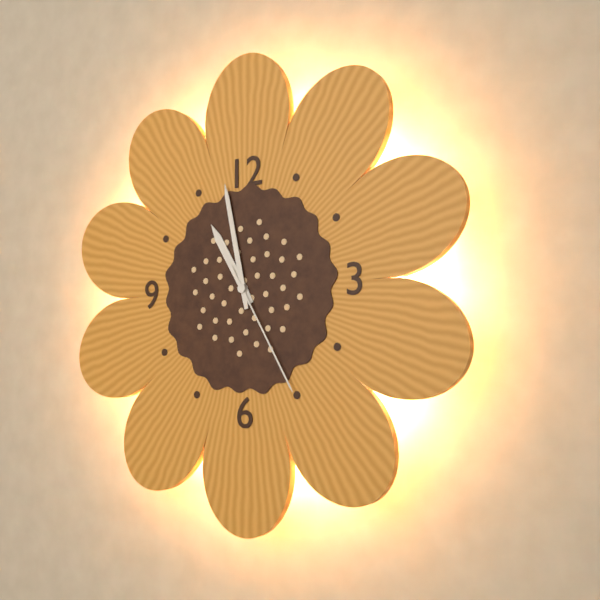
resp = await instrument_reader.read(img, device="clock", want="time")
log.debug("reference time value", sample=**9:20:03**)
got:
**10:58:25**
